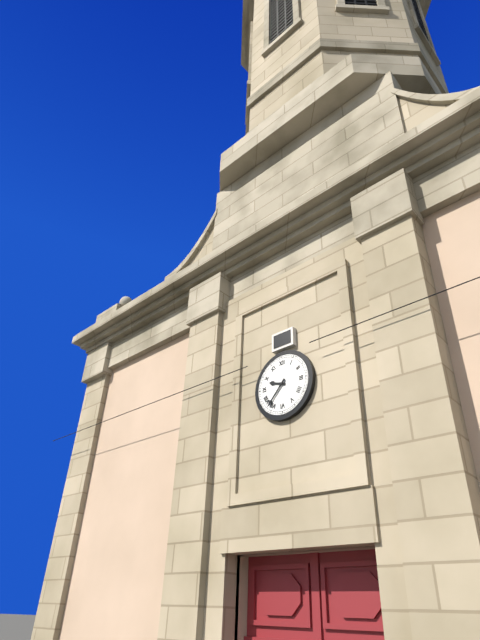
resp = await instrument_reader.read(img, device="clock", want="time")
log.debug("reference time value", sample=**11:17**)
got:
**9:37**
